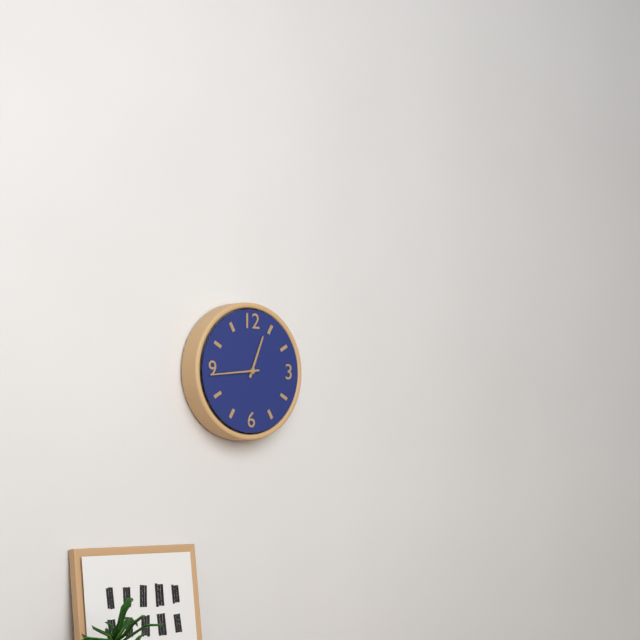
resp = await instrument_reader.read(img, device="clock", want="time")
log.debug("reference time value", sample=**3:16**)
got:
**12:44**
